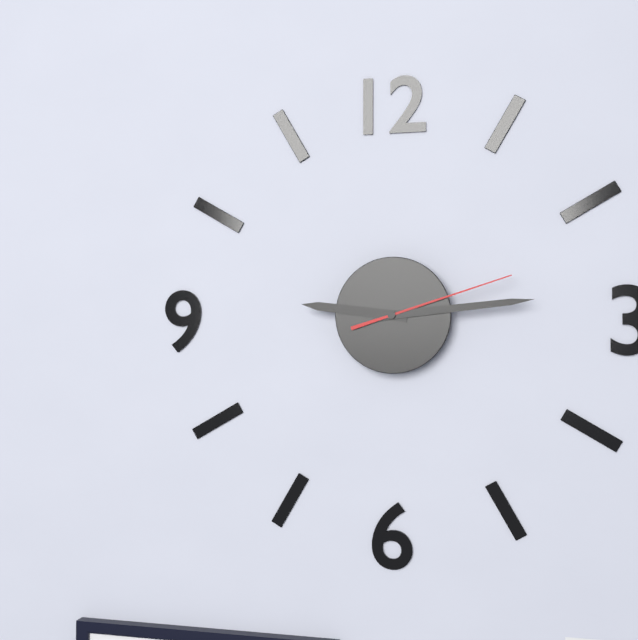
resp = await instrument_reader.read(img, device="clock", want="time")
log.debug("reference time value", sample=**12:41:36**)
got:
**9:14:12**
